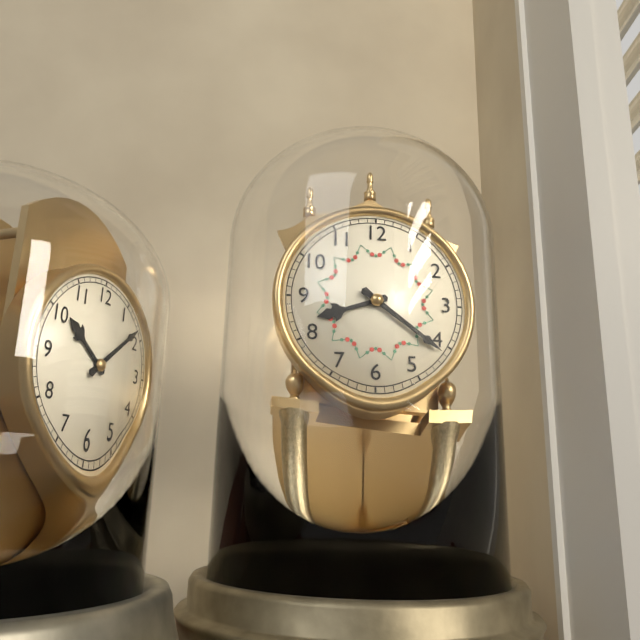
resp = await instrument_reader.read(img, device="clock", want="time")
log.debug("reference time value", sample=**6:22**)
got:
**8:21**
